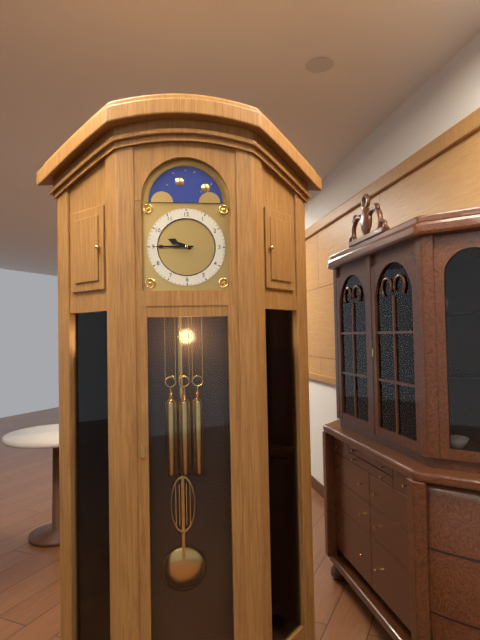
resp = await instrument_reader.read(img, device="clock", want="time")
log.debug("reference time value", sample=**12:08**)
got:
**9:45**
